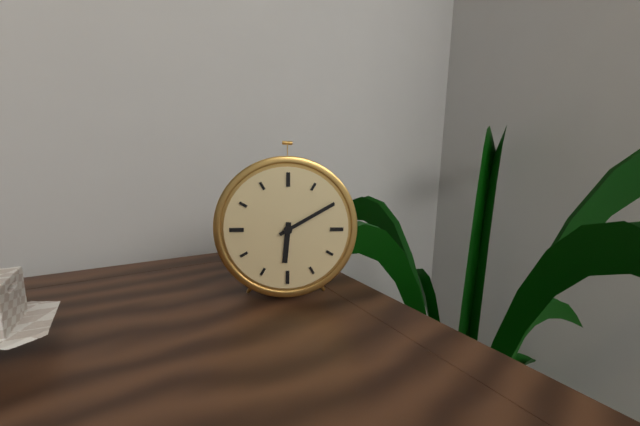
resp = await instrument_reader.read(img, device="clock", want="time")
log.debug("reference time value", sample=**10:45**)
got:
**6:10**
